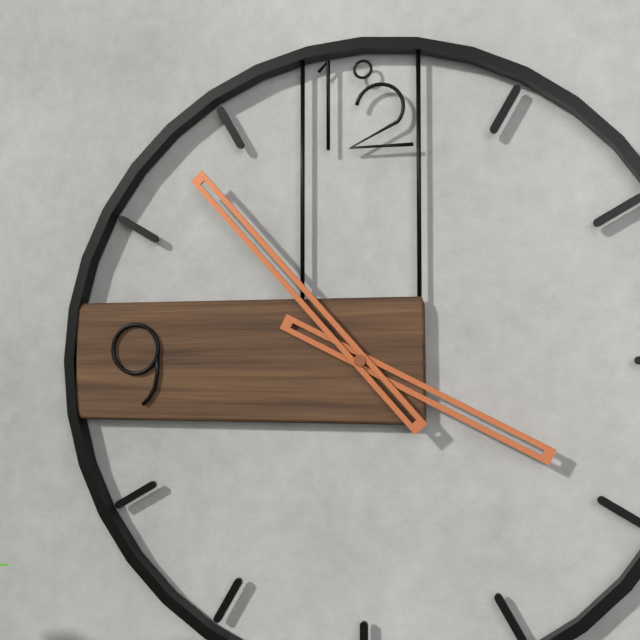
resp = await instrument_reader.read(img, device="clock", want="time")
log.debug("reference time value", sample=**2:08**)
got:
**3:53**
